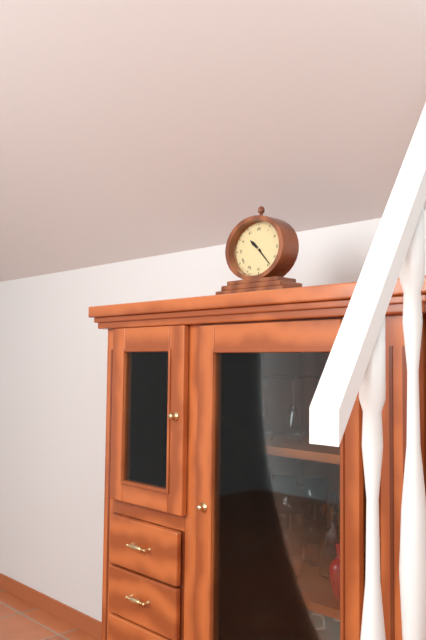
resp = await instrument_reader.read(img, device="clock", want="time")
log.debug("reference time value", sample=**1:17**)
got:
**10:23**
